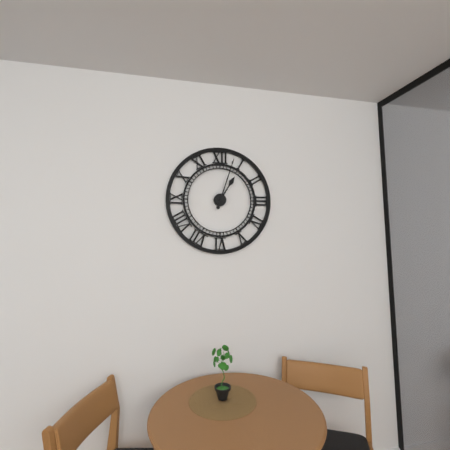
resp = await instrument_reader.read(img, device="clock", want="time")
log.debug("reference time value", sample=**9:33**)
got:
**1:03**
